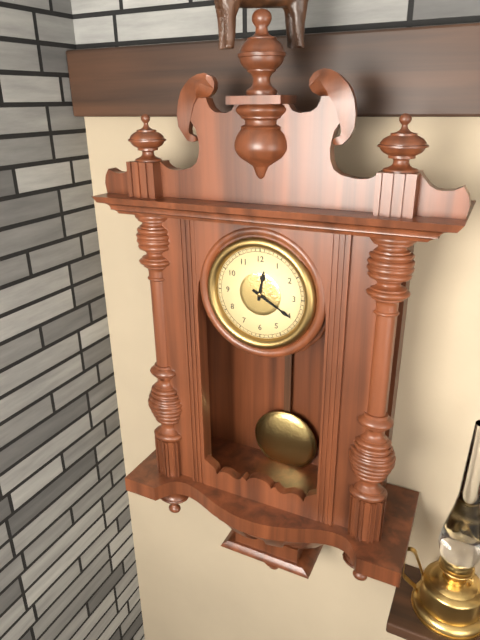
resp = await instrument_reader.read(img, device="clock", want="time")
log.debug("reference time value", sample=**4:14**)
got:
**12:20**
